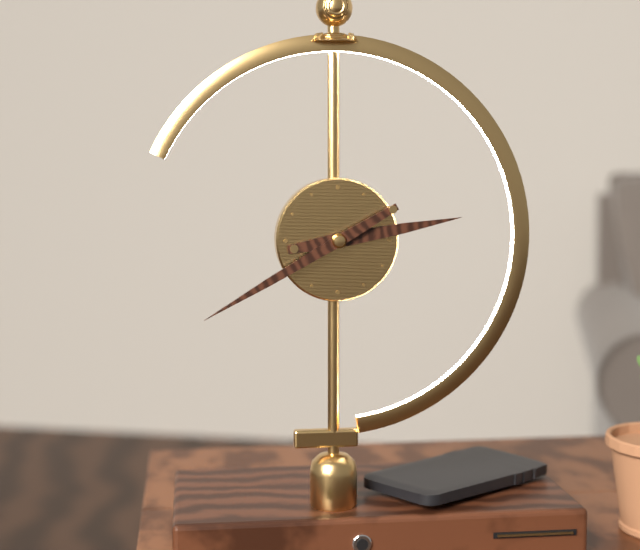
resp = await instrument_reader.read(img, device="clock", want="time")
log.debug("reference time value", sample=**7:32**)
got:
**2:40**
